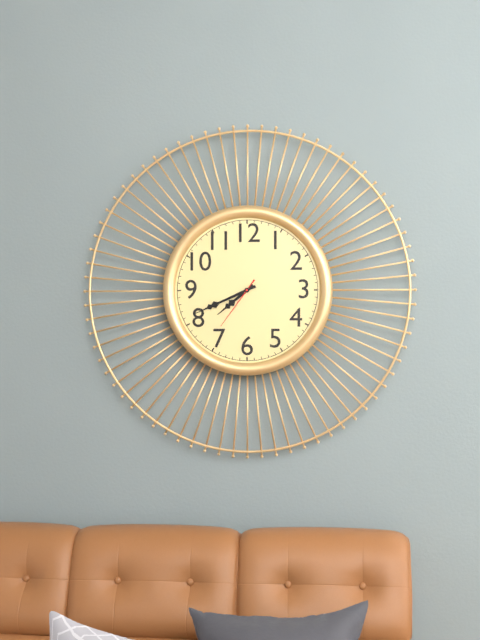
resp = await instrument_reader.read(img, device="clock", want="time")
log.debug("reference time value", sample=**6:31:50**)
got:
**7:41:36**
